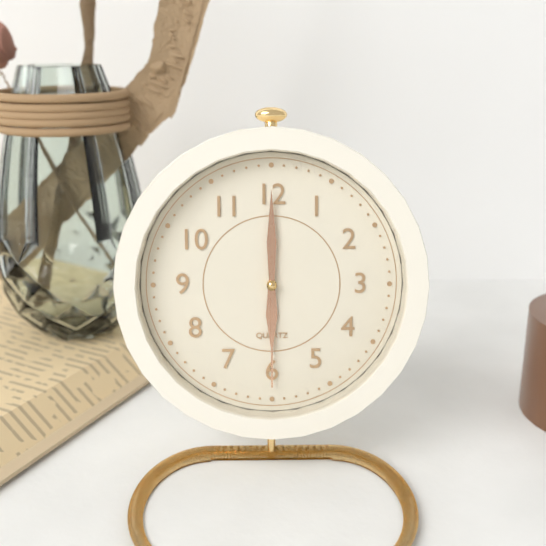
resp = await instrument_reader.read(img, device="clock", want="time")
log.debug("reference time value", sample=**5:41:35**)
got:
**6:00:30**
